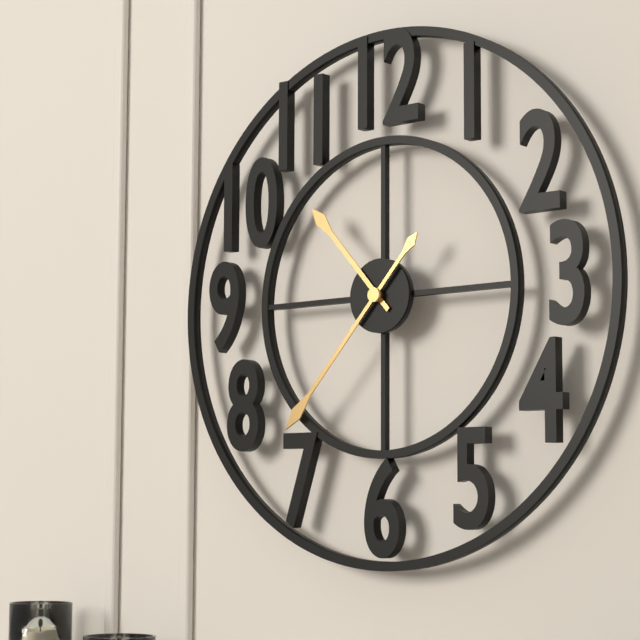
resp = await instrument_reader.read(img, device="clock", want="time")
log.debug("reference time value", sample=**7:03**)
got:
**10:37**
